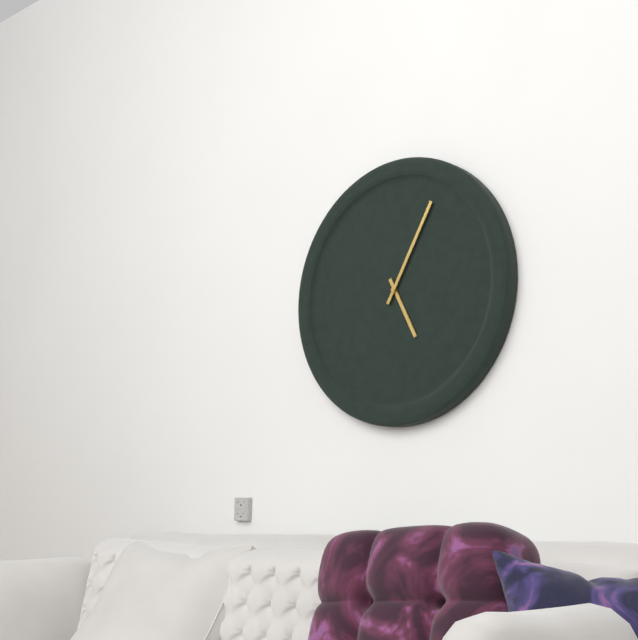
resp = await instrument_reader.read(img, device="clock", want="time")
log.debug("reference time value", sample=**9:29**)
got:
**5:05**
